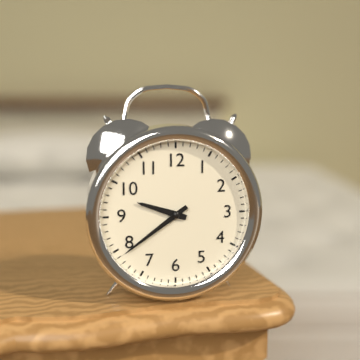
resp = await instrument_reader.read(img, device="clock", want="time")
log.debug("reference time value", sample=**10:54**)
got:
**9:39**
